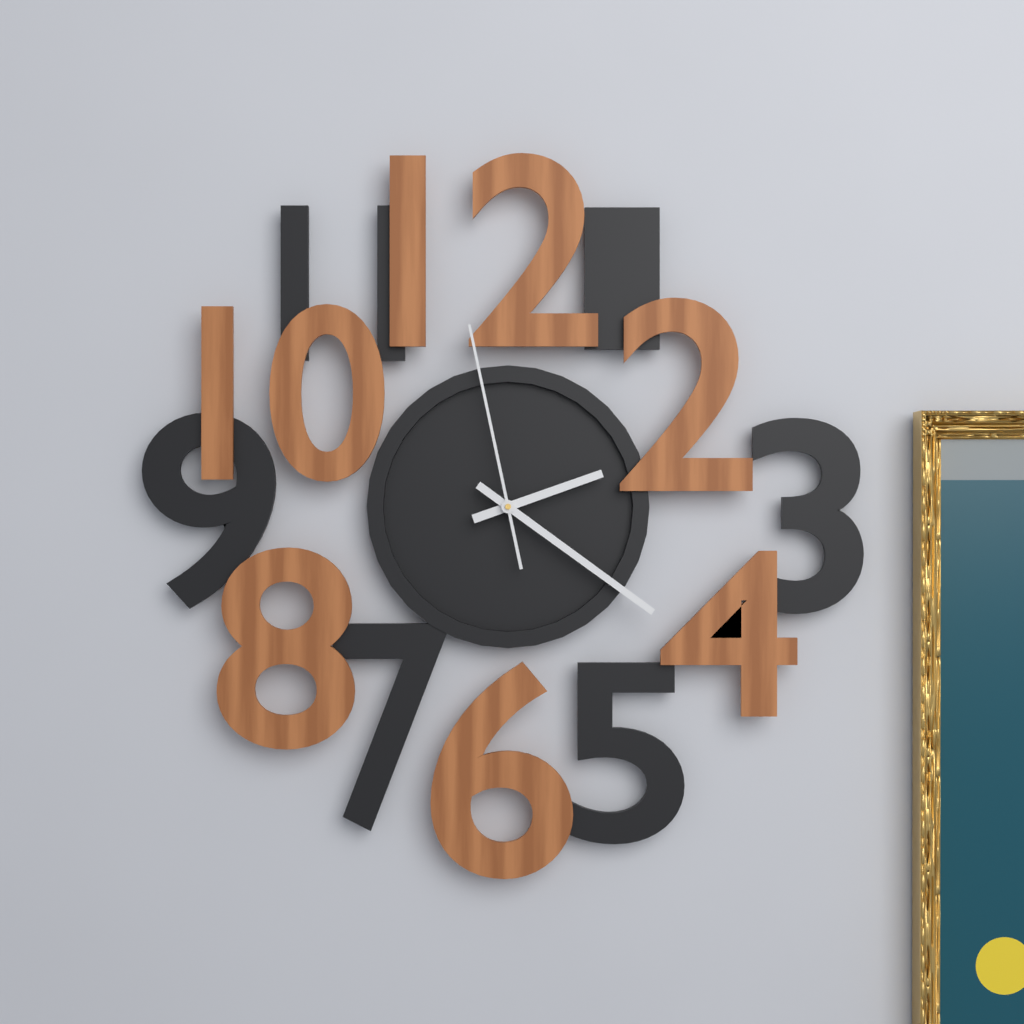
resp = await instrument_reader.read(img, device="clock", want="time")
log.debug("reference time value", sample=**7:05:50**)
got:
**2:21:58**
